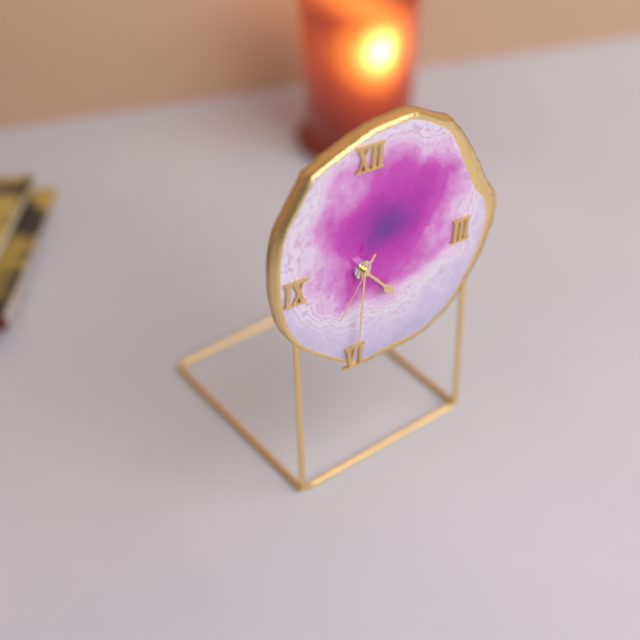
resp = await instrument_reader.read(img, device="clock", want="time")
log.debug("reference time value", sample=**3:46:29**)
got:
**4:30:35**
